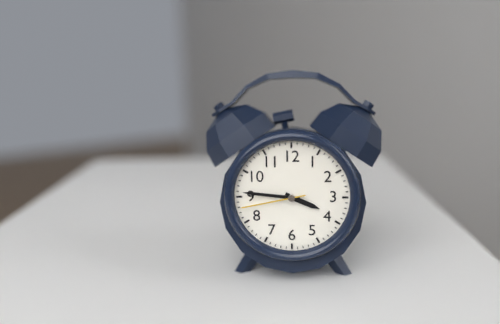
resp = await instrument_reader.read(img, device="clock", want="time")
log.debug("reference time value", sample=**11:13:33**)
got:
**3:46:43**
